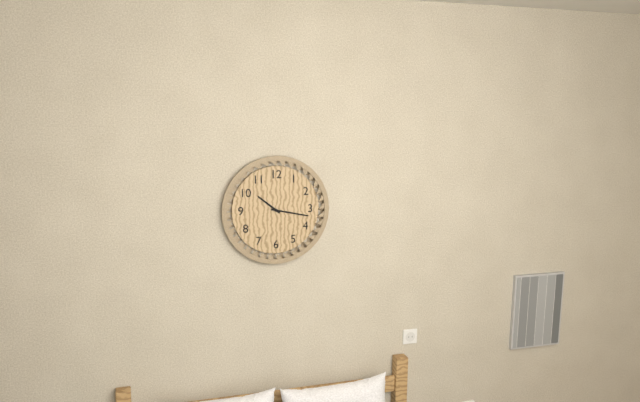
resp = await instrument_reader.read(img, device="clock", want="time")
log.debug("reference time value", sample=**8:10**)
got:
**10:17**
